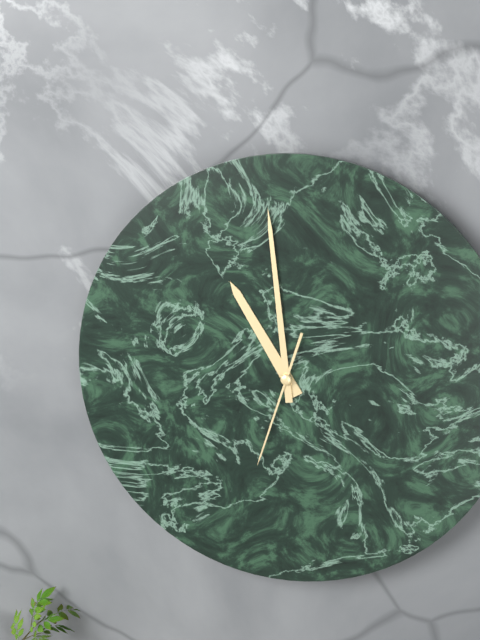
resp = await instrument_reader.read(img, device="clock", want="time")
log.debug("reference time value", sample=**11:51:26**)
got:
**10:59:33**
